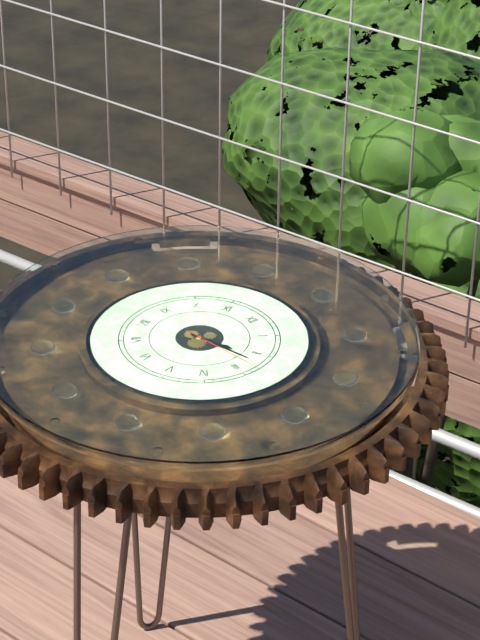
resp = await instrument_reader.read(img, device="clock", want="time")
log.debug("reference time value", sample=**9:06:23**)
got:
**2:12:13**
